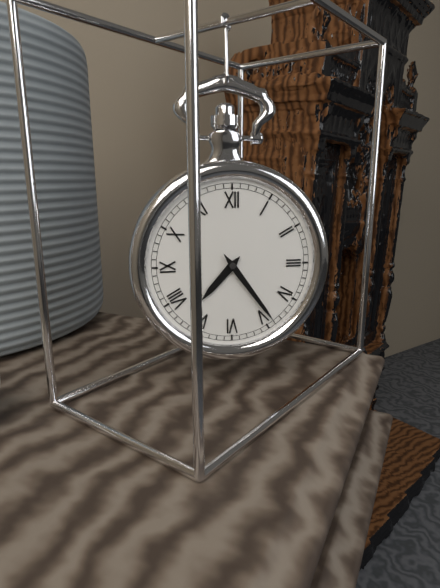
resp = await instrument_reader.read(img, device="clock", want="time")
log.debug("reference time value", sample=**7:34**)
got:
**7:24**
